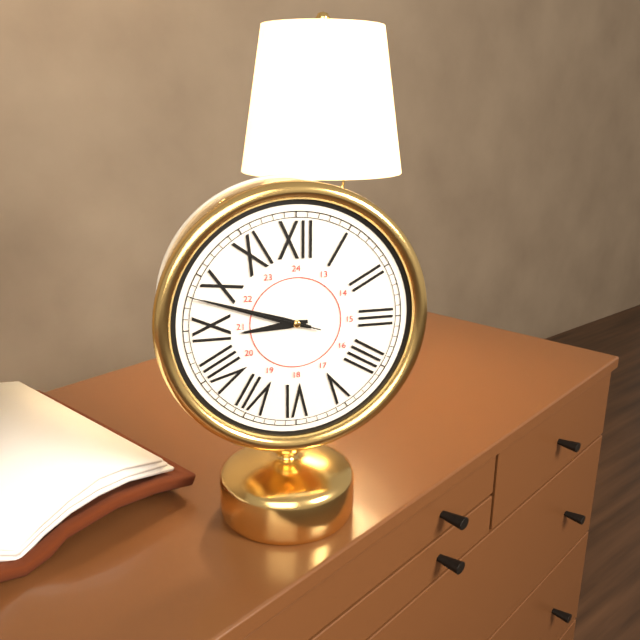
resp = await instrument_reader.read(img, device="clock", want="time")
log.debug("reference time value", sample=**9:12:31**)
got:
**8:48:48**
